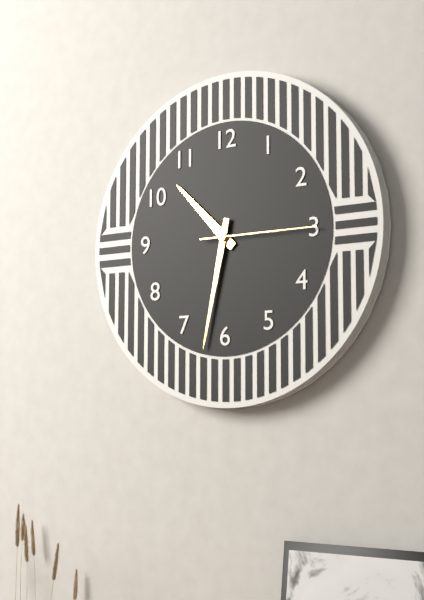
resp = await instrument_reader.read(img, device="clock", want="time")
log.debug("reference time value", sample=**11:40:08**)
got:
**10:32:15**
